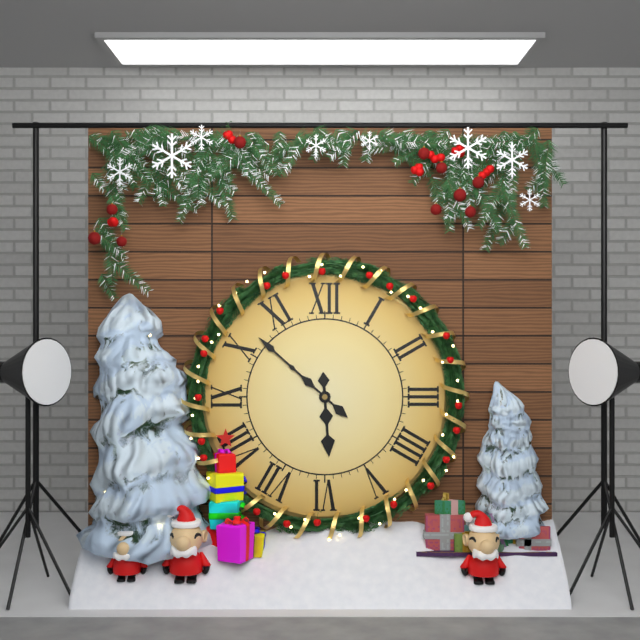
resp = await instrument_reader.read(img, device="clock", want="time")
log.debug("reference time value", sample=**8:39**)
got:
**5:52**
